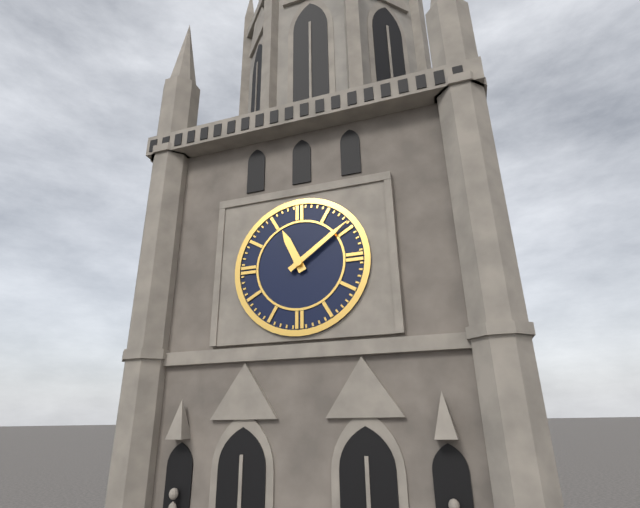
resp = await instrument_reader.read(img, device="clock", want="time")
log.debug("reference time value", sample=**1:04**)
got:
**11:09**
